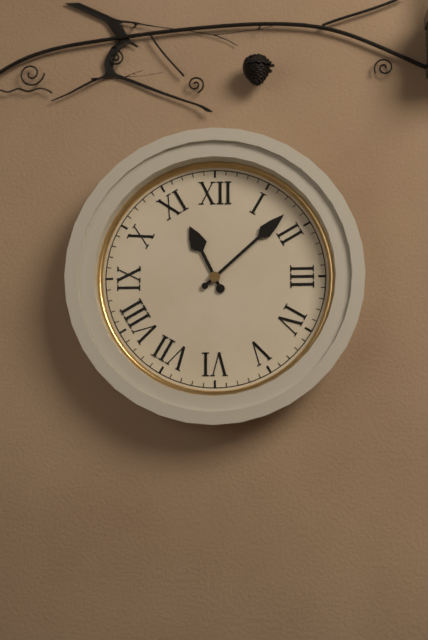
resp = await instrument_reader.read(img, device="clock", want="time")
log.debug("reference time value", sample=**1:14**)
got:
**11:08**
